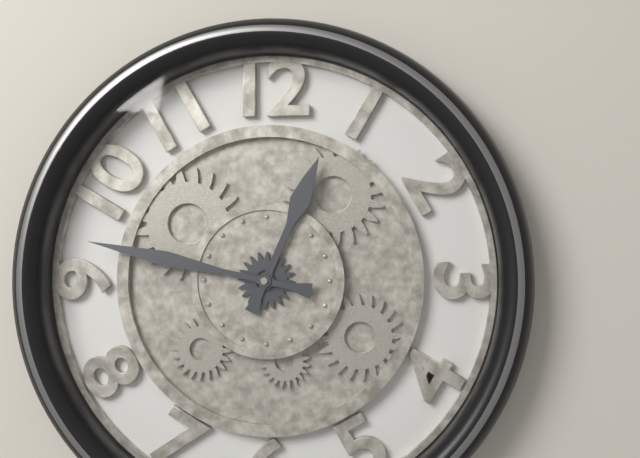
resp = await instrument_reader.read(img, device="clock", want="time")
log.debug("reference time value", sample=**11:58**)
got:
**12:47**
